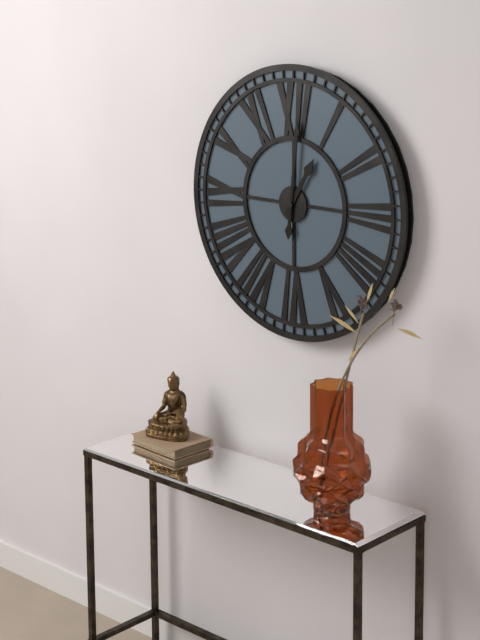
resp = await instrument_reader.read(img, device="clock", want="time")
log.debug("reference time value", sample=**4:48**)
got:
**1:01**
